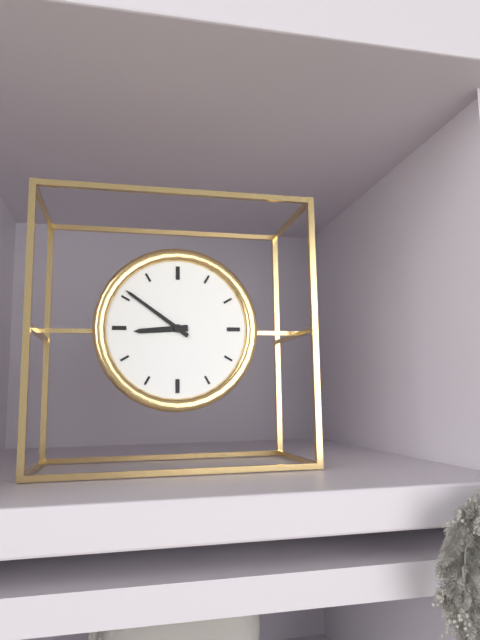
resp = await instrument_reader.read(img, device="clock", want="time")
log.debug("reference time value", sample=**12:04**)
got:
**8:51**
